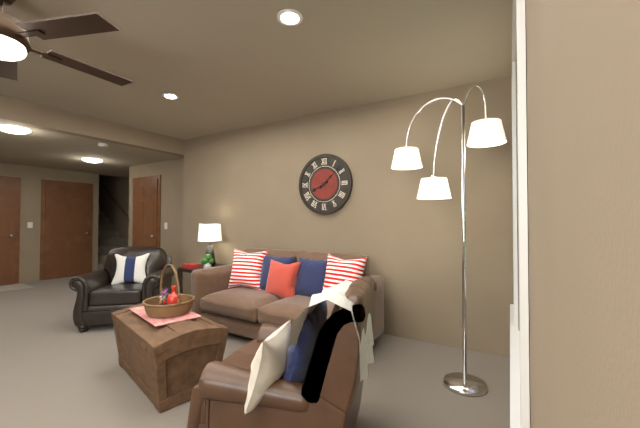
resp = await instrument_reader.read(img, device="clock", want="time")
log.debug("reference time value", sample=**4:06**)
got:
**8:08**
